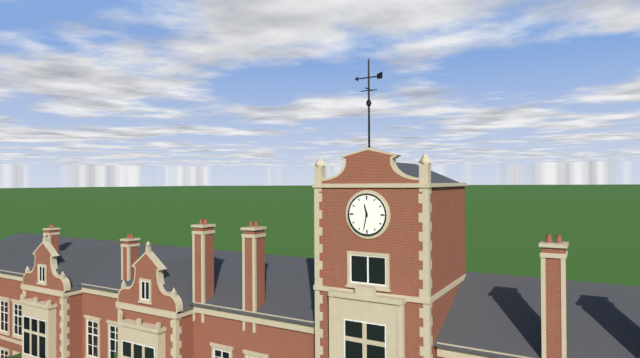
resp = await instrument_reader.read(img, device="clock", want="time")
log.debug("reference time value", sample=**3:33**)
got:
**11:32**
